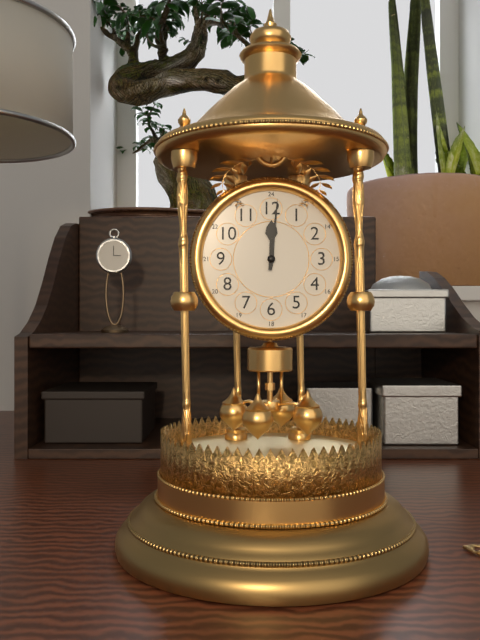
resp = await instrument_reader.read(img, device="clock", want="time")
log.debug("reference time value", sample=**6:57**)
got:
**12:01**
